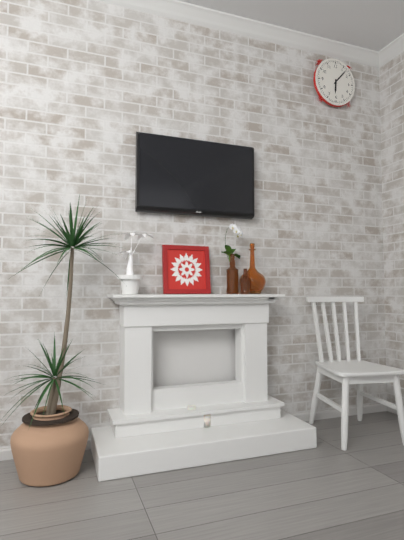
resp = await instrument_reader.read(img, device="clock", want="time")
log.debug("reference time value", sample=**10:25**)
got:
**6:07**
